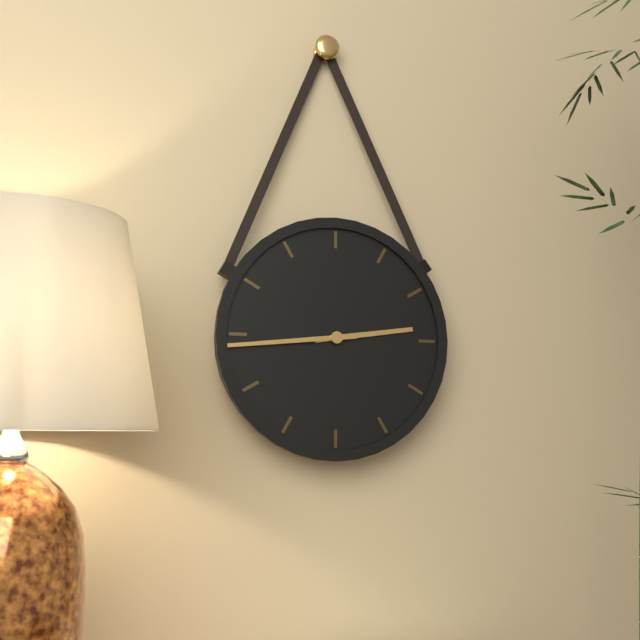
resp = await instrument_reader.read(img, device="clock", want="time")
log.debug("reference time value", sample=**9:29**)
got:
**2:44**
